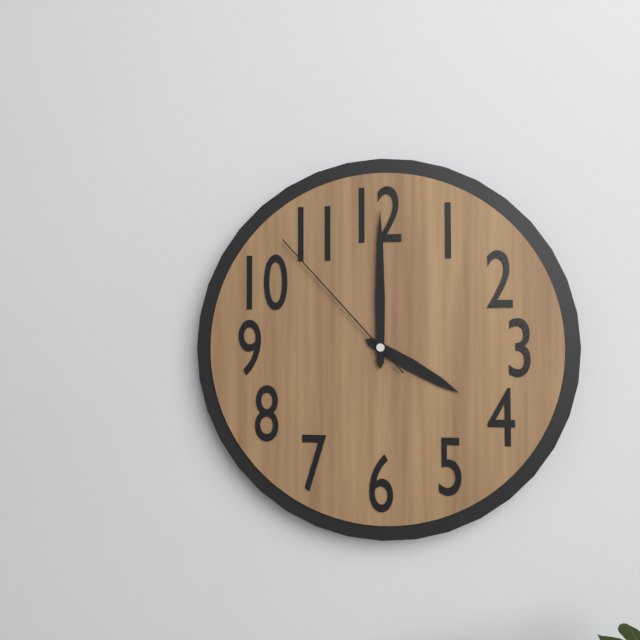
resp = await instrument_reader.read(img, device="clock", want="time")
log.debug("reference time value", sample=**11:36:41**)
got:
**4:00:53**
